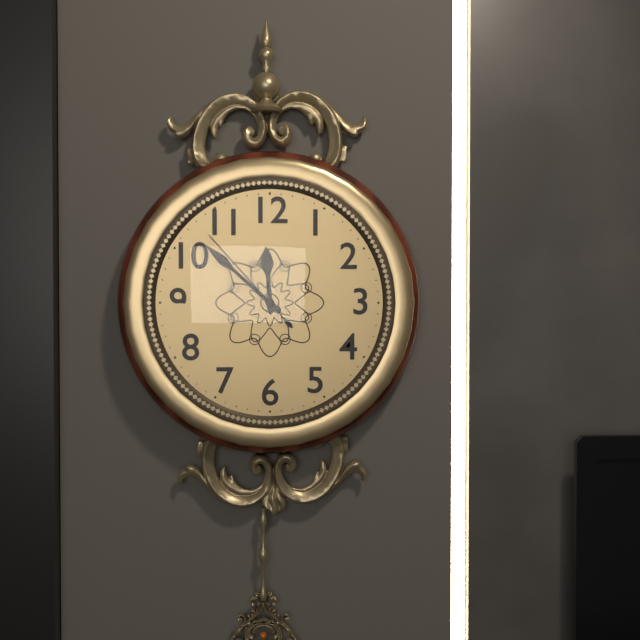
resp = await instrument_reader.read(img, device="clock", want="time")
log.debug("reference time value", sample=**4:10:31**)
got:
**11:52:53**
